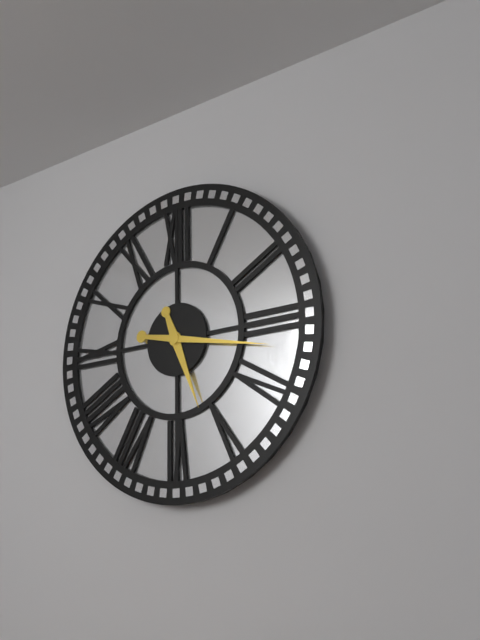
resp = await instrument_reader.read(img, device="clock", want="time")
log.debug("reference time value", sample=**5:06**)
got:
**5:17**
